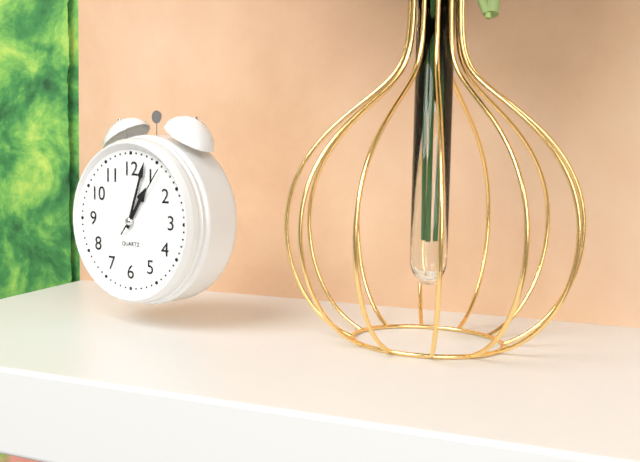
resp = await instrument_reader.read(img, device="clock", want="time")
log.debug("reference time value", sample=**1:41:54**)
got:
**1:03:06**
